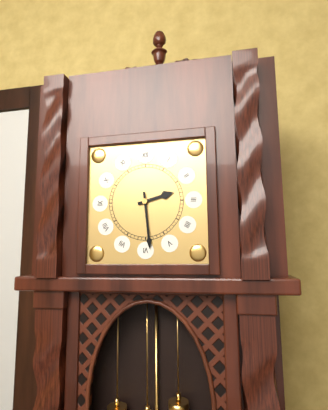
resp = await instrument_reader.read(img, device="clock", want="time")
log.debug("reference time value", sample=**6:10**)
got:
**2:29**
